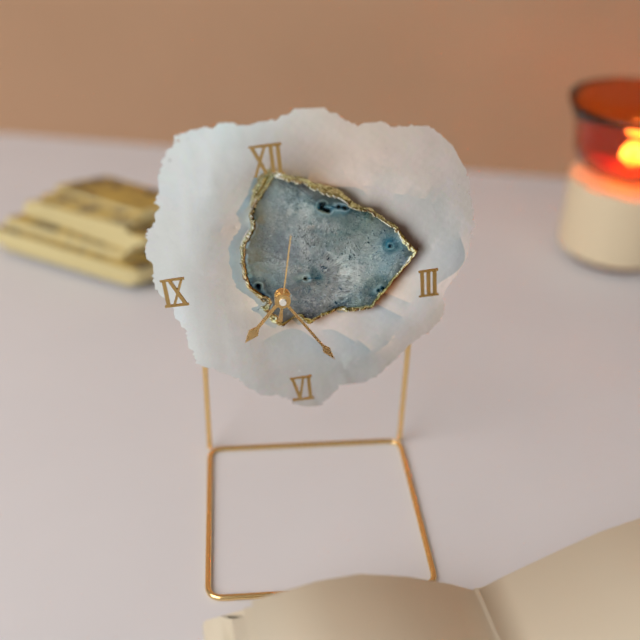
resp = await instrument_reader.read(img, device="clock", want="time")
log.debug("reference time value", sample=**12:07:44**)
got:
**7:25:02**
